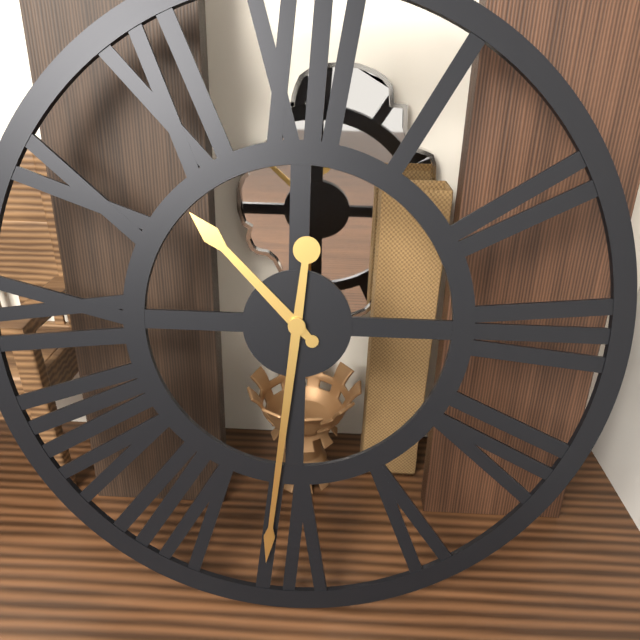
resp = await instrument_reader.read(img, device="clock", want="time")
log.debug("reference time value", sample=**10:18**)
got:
**10:31**
